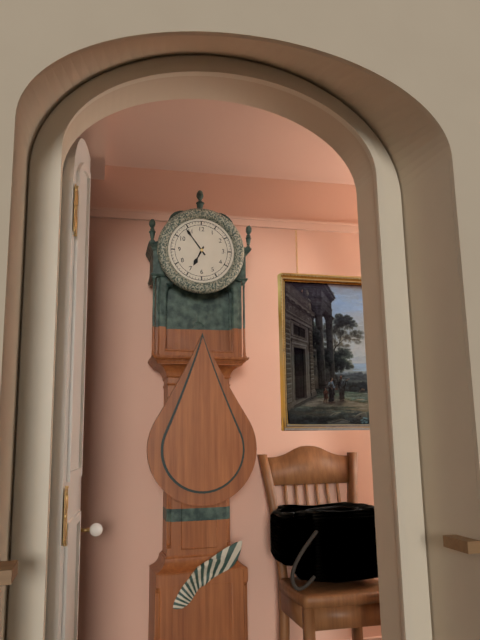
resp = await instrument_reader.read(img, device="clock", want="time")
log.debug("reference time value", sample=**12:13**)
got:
**6:54**
